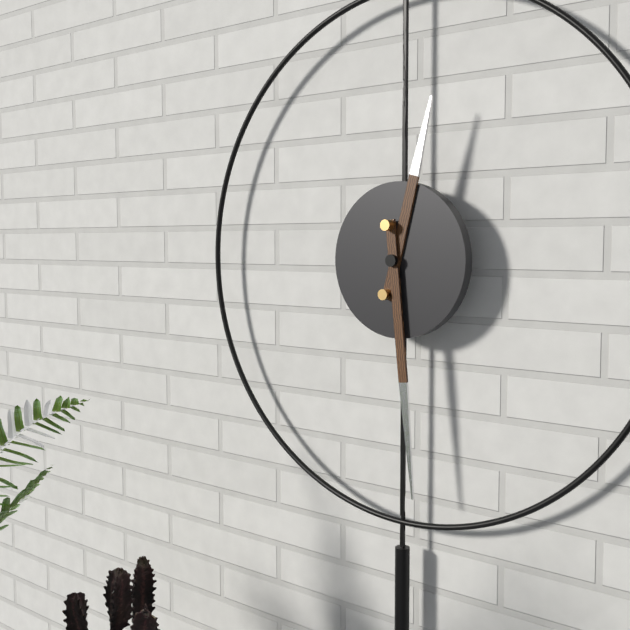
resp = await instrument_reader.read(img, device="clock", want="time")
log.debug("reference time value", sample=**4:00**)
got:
**12:29**
